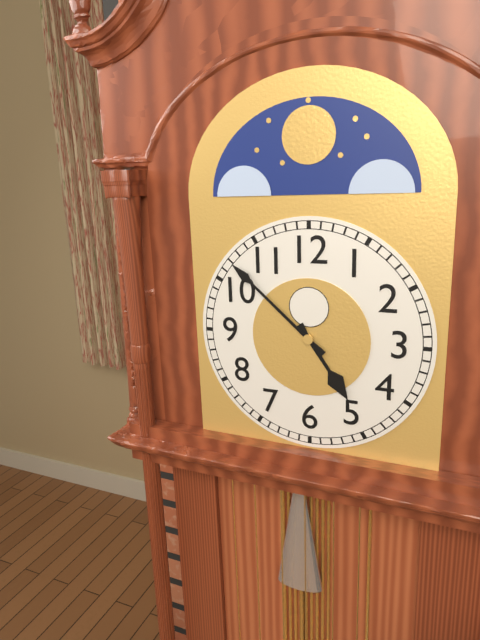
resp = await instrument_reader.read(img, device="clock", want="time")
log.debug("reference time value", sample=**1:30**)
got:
**4:52**
